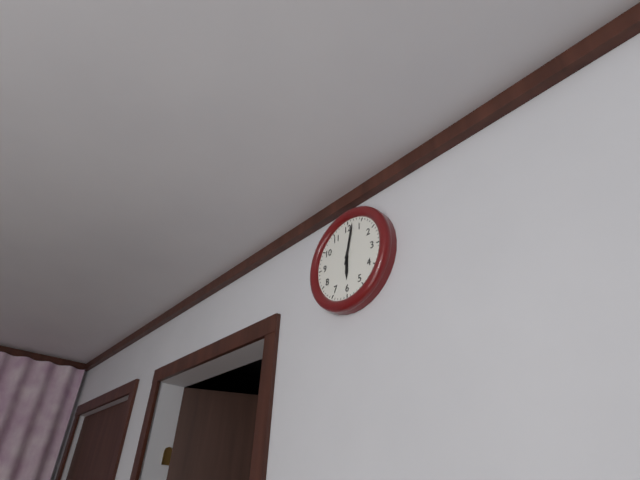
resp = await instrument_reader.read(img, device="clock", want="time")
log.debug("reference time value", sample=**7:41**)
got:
**6:02**
